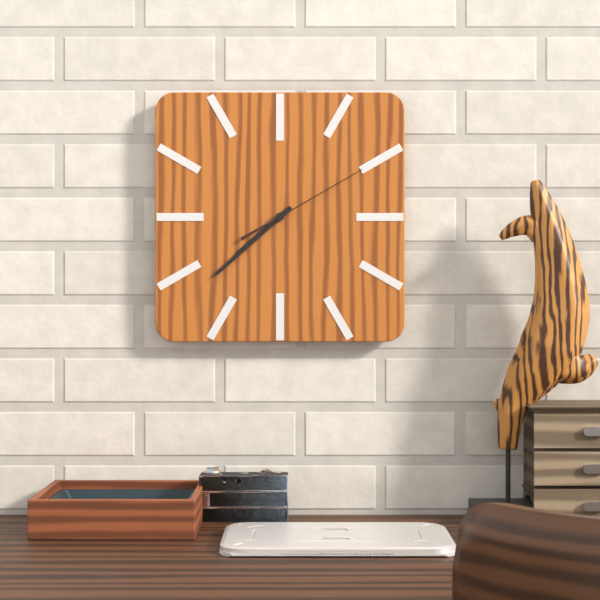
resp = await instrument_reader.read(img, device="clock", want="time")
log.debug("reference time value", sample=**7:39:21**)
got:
**7:38:10**
